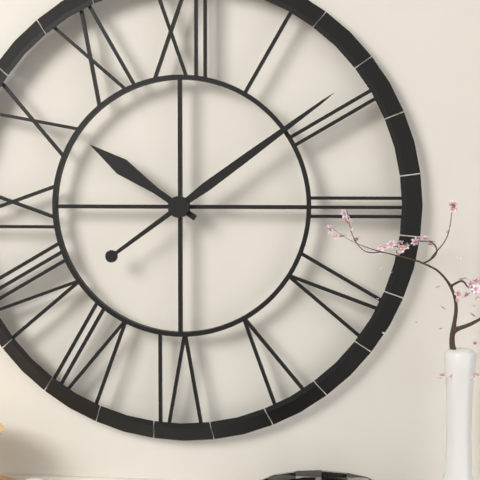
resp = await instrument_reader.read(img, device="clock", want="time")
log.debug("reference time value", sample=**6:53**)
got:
**10:09**
